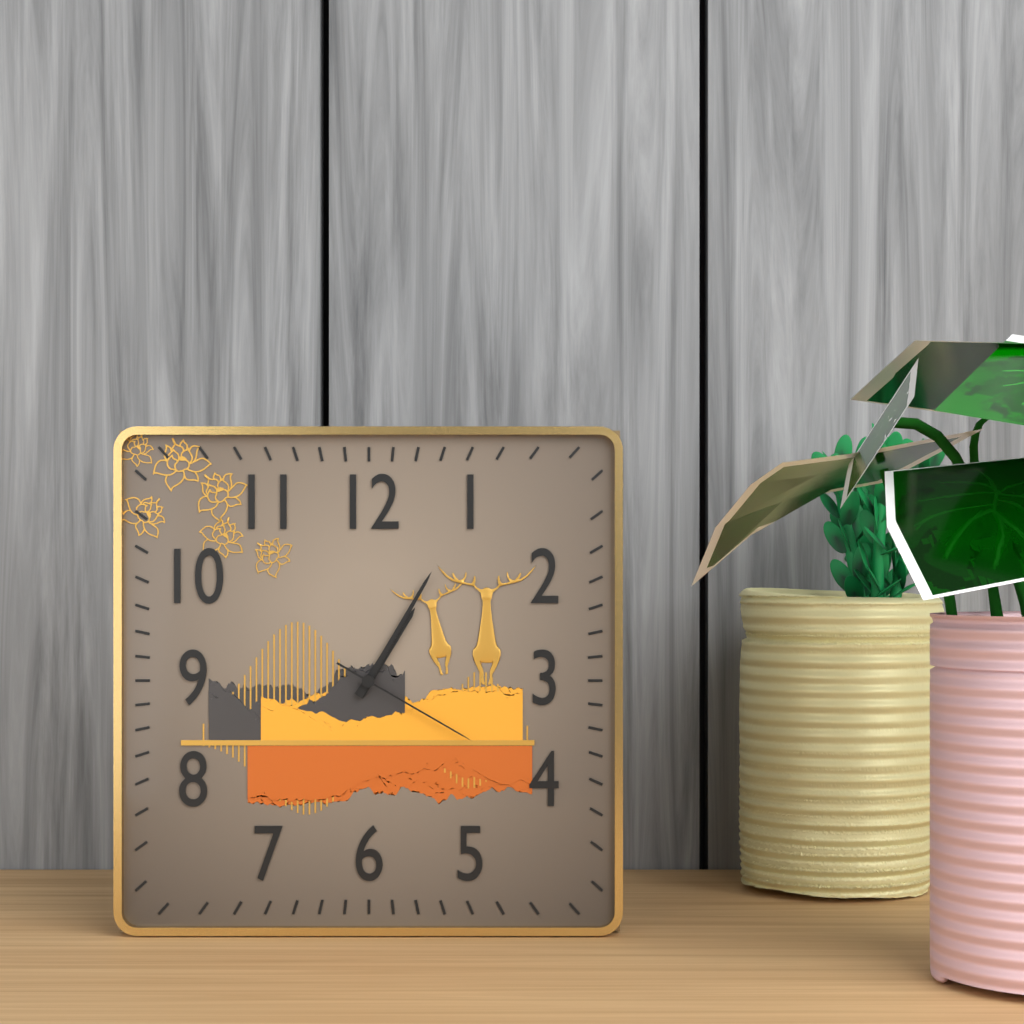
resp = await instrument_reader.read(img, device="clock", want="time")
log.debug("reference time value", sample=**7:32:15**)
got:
**1:05:20**
